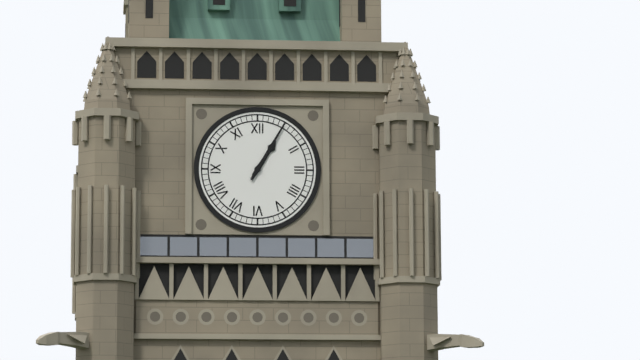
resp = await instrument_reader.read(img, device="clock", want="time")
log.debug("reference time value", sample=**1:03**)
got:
**1:05**
